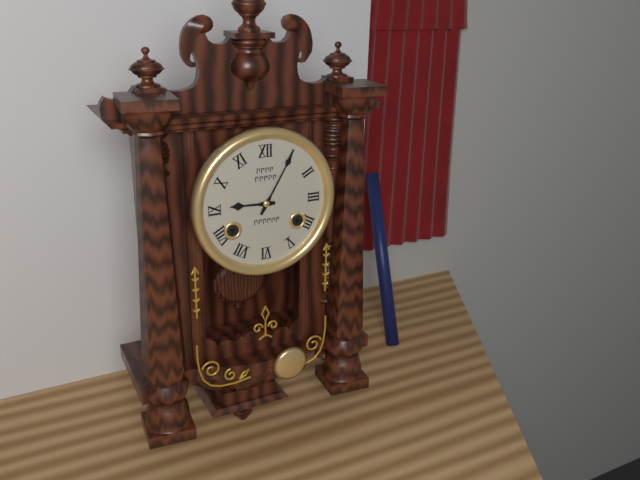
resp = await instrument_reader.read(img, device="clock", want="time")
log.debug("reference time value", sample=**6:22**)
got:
**9:05**
